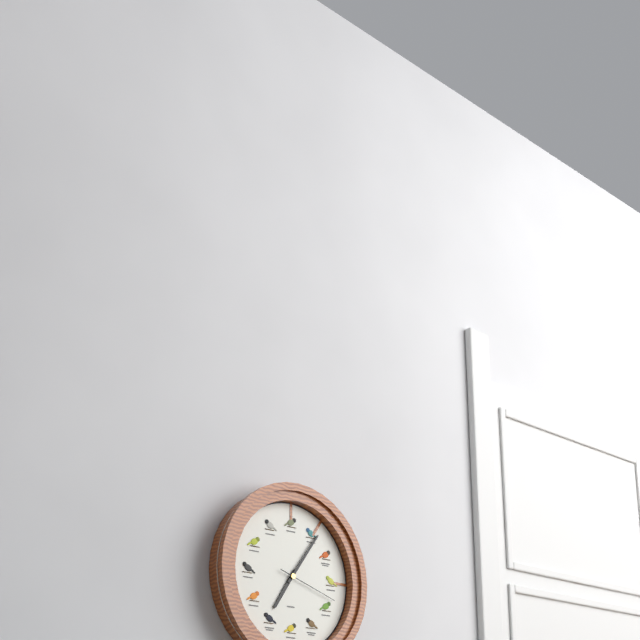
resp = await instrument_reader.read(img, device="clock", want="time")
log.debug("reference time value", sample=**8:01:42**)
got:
**7:06:18**
